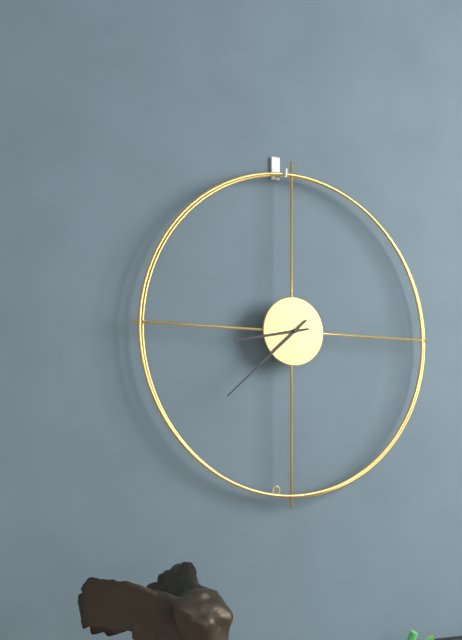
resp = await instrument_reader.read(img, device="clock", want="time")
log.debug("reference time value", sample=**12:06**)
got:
**8:38**
